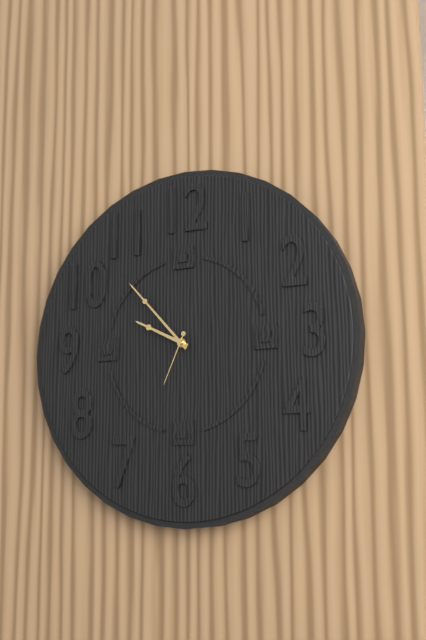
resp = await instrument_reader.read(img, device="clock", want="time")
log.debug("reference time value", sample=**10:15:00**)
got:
**9:53:34**
